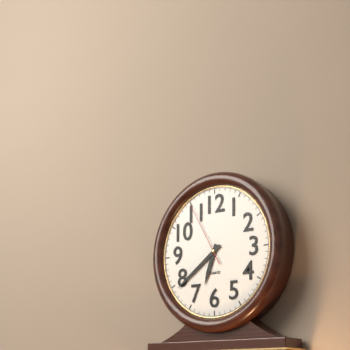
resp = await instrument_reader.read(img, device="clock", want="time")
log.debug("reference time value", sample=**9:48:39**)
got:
**6:39:55**
